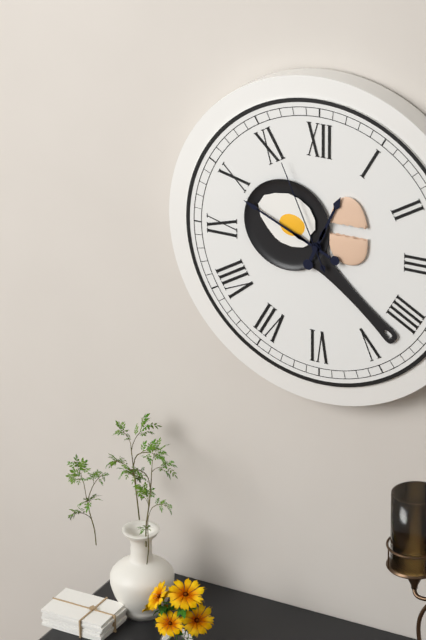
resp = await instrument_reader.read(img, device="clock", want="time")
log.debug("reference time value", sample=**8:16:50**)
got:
**12:49:56**
